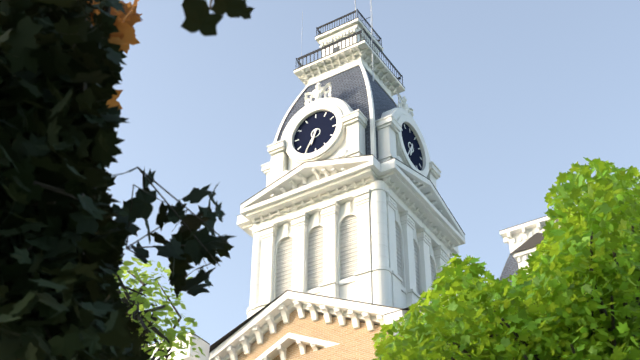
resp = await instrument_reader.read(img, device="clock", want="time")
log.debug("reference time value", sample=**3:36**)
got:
**6:35**
